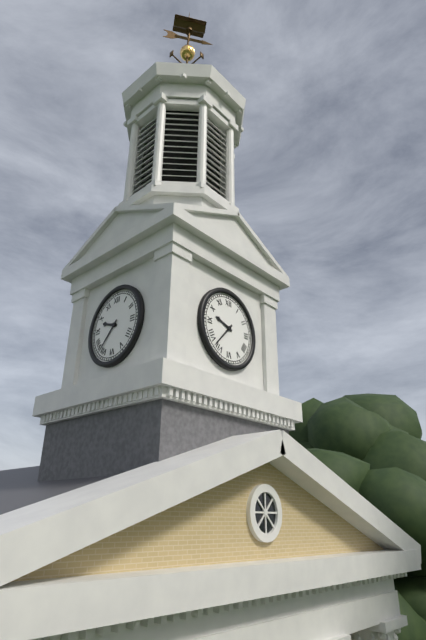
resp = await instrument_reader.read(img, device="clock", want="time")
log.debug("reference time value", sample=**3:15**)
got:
**9:37**
